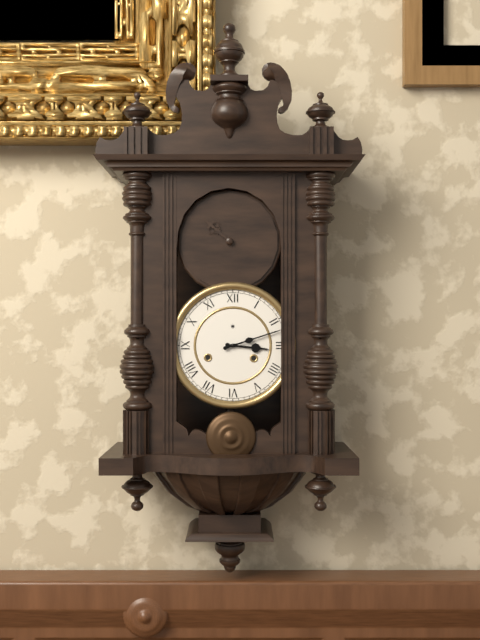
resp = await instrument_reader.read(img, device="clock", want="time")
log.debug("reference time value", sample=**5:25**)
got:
**3:12**
